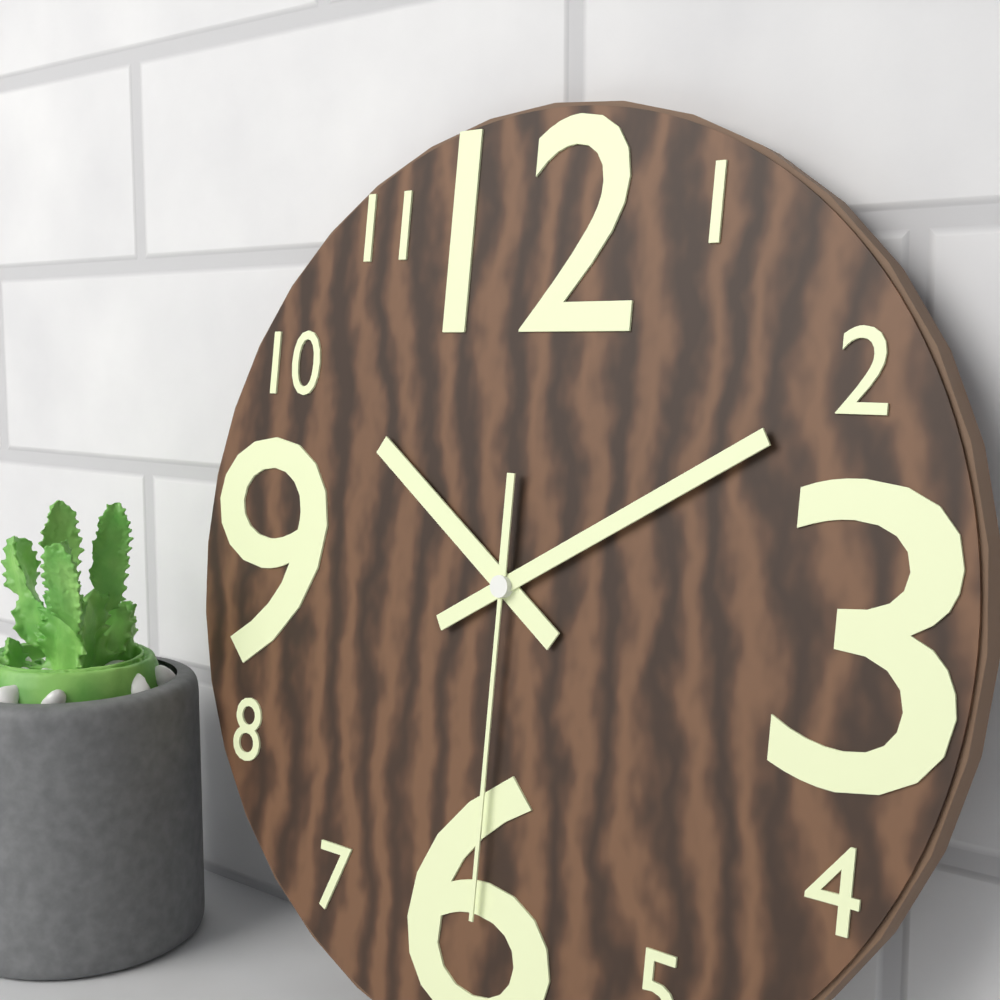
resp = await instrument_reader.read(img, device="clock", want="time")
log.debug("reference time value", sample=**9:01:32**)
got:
**10:10:30**
